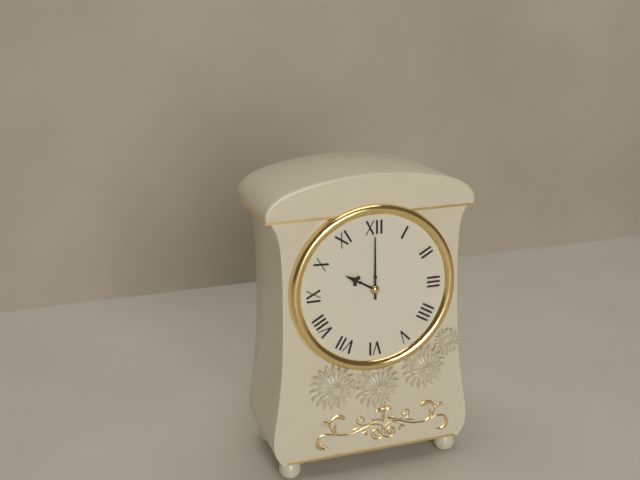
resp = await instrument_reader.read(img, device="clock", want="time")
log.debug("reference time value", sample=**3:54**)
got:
**10:00**
